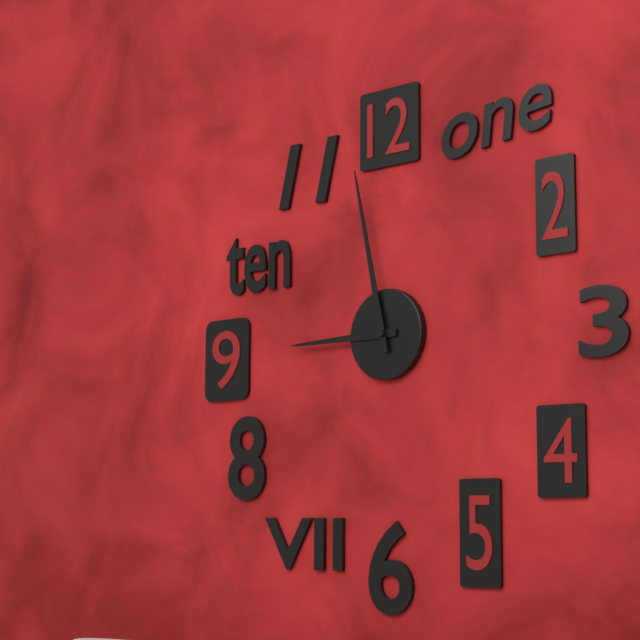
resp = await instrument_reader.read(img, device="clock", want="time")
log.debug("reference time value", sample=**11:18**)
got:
**8:58**
